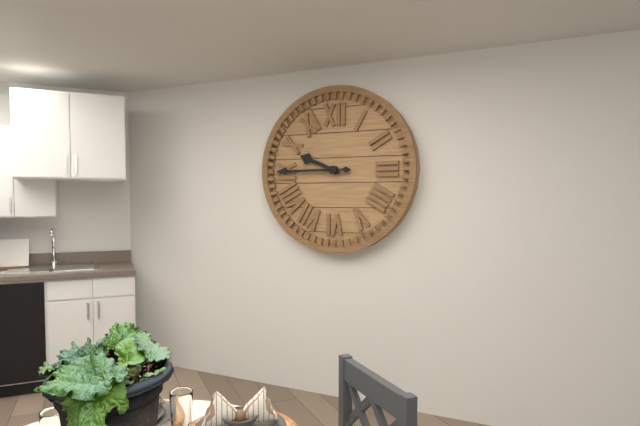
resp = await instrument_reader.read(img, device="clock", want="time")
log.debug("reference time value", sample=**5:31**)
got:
**9:45**
